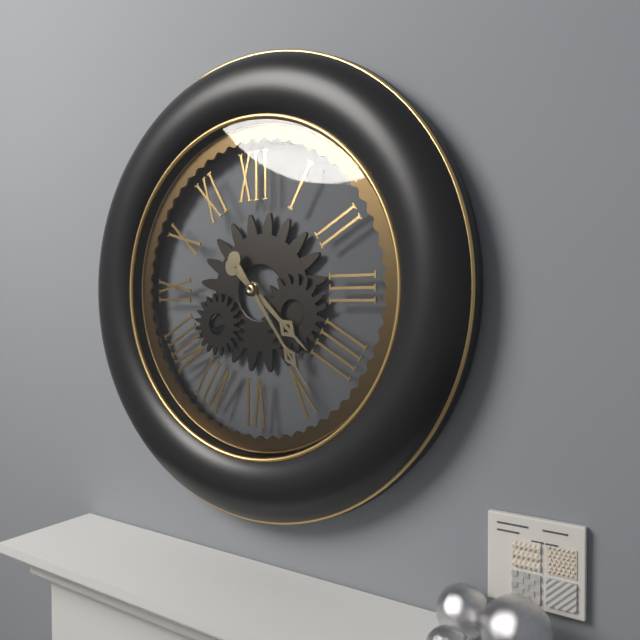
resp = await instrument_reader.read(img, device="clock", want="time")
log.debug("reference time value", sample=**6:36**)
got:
**4:24**
